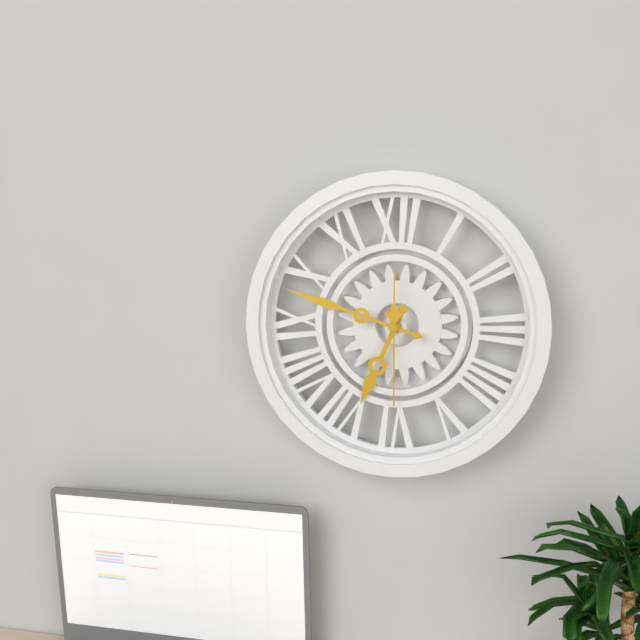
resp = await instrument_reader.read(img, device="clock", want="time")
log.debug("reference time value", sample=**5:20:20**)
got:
**6:48:30**
